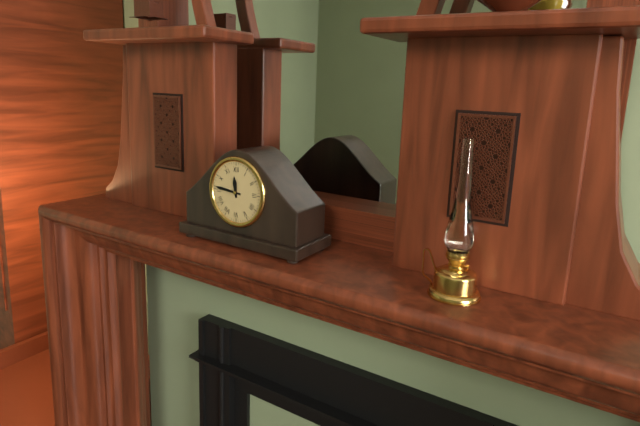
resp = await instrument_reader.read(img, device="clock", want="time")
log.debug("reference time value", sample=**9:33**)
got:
**11:46**
